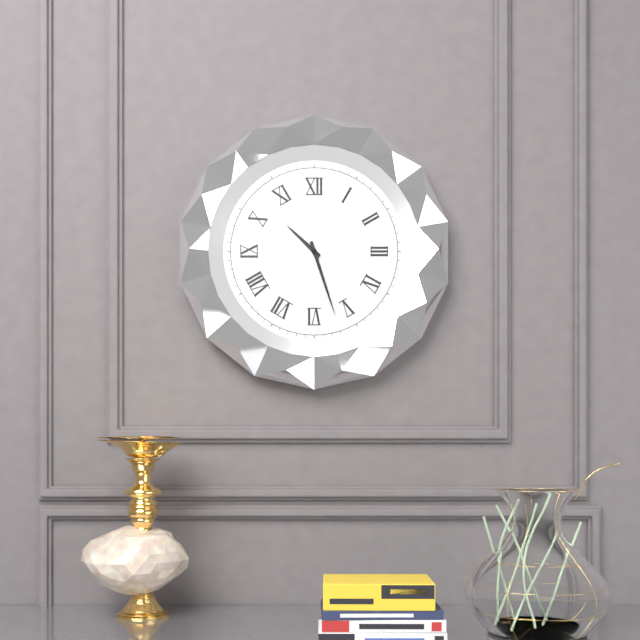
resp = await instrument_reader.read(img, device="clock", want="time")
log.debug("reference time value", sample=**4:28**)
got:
**10:27**
